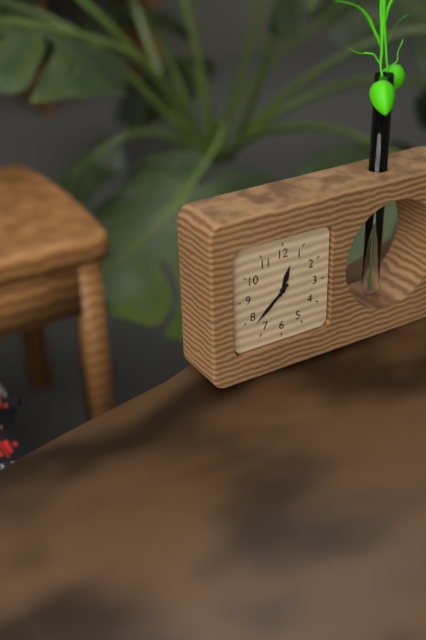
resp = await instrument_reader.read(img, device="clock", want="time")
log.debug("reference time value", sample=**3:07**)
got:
**12:38**
